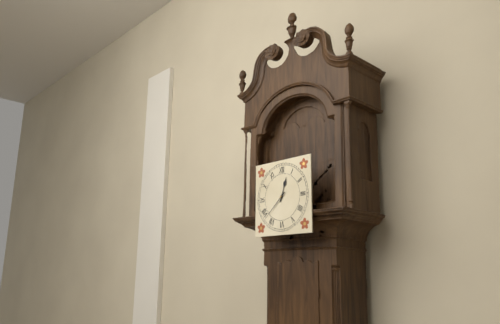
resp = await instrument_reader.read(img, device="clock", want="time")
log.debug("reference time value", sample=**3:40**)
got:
**12:38**
